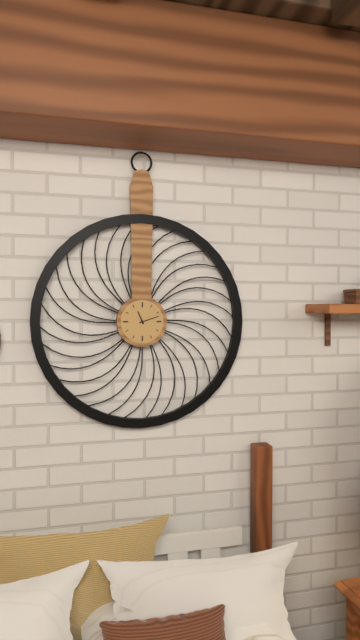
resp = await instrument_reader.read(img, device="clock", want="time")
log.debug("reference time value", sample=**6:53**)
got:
**11:12**
